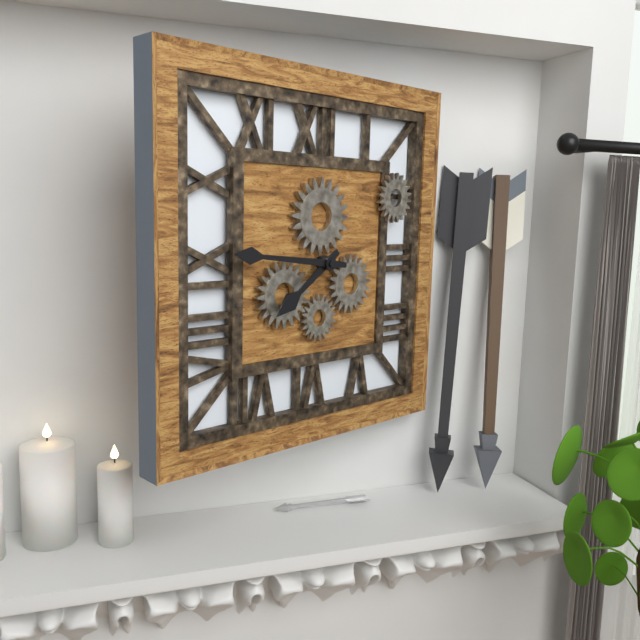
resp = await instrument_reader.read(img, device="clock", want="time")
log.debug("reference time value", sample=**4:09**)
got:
**7:46**
